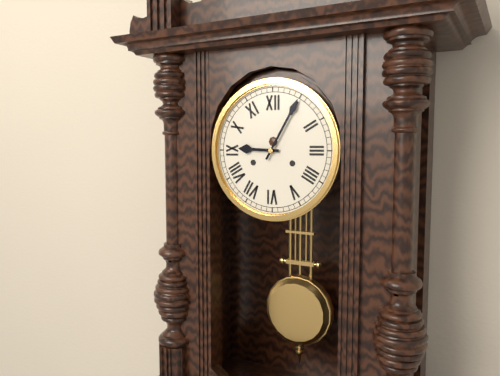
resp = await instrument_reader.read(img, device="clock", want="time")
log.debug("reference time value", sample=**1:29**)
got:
**9:05**
